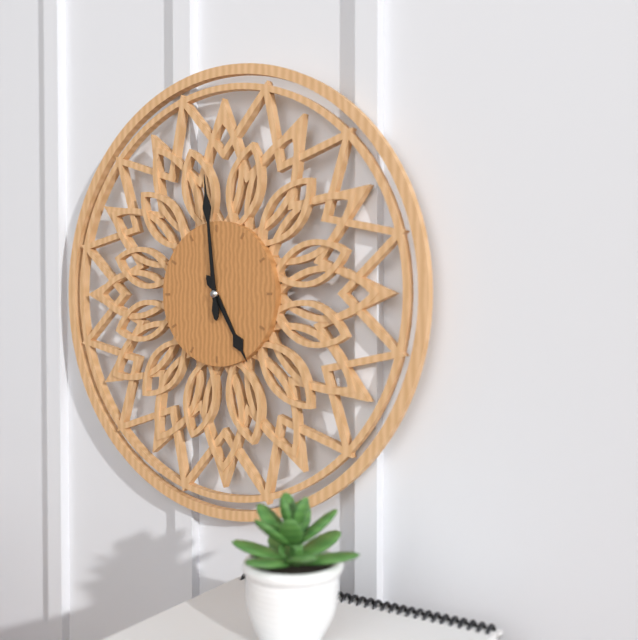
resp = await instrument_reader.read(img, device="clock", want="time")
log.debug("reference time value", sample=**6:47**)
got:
**4:59**
